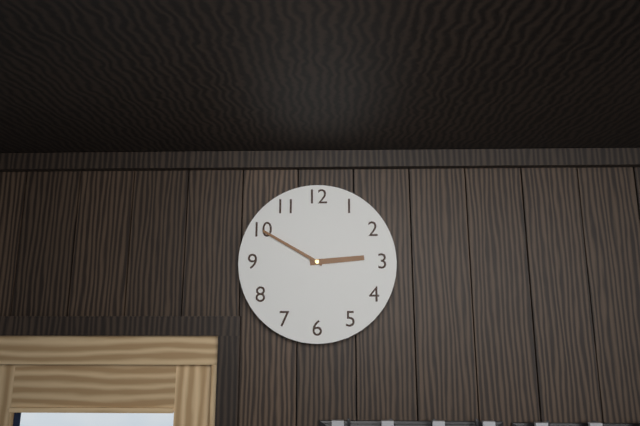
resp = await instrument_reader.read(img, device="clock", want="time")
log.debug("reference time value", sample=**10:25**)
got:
**2:50**
